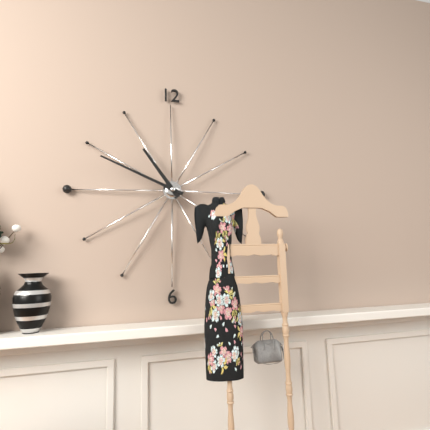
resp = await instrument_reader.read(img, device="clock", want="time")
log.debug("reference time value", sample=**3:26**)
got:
**10:49**
